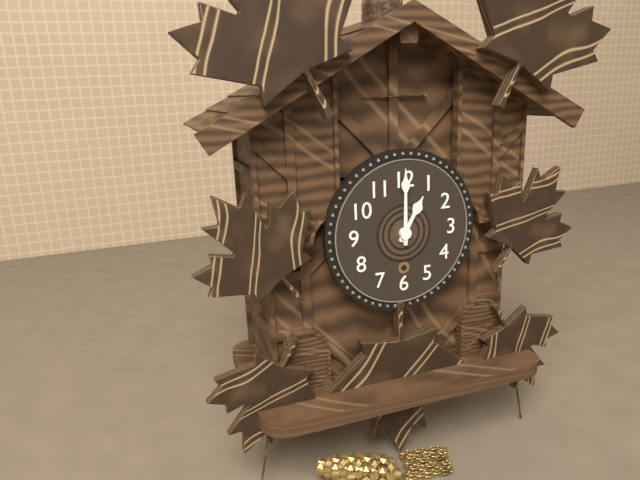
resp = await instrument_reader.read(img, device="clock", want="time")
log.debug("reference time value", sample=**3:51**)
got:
**1:00**
